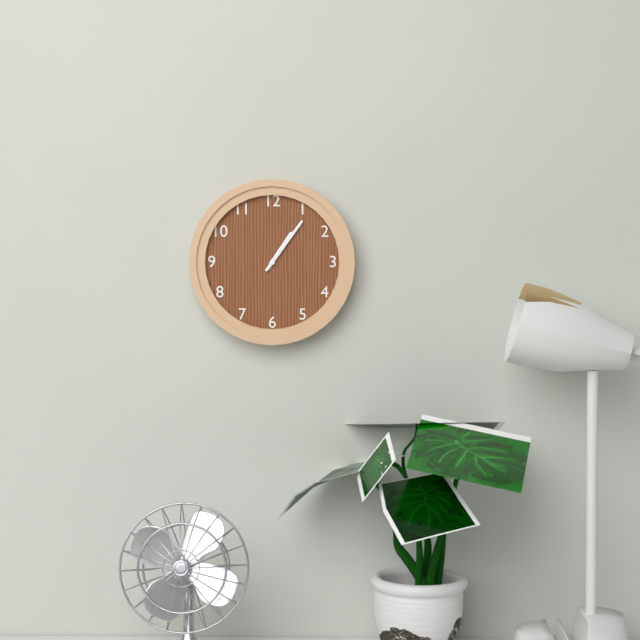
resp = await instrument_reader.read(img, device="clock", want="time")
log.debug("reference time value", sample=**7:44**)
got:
**1:06**
